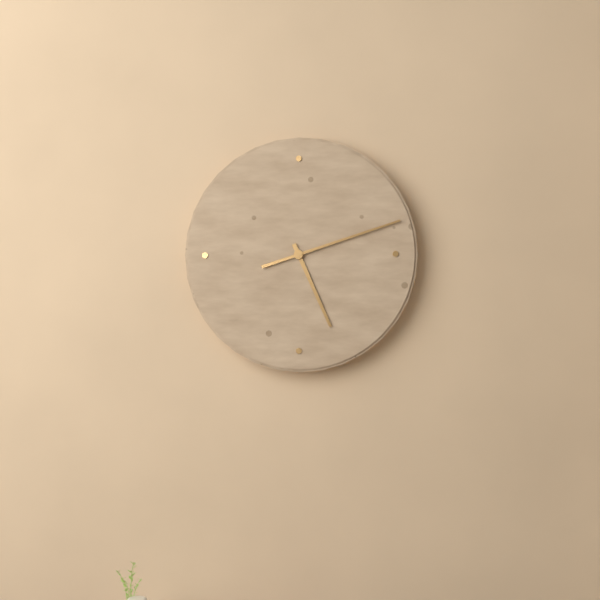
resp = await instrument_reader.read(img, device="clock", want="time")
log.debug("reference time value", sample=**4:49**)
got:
**5:12**
